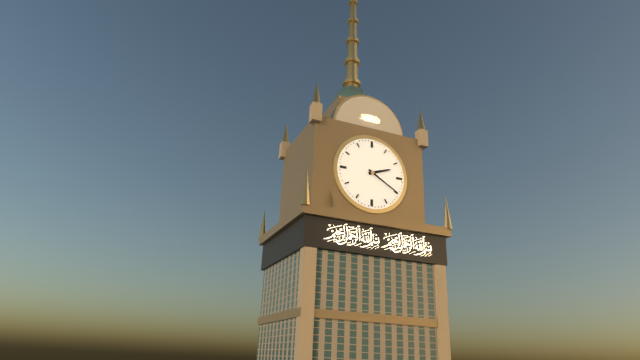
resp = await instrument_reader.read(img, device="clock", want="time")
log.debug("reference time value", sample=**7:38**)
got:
**2:20**
